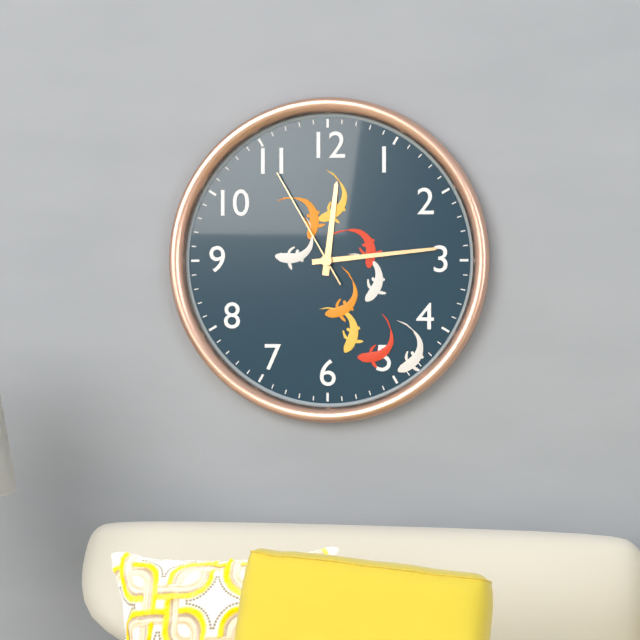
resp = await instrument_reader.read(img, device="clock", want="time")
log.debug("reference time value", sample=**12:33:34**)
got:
**12:14:55**
